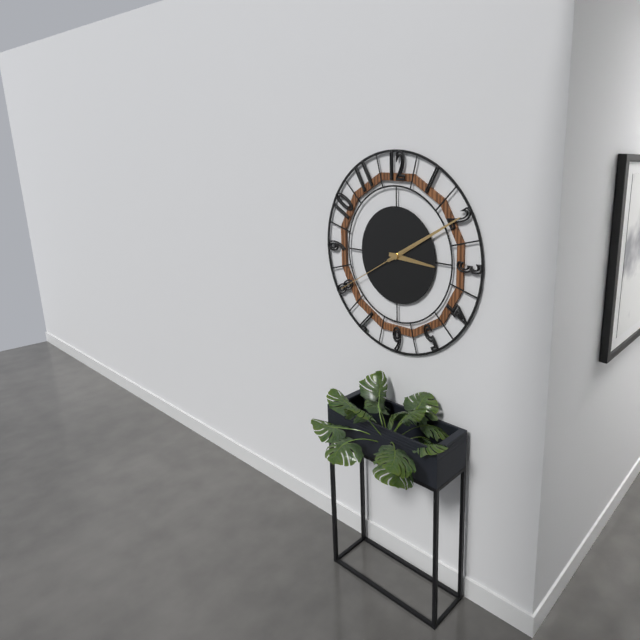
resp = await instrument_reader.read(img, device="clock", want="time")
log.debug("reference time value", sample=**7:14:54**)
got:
**3:10:40**
